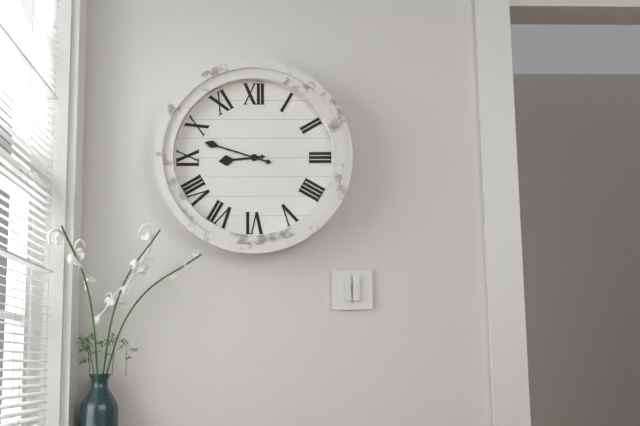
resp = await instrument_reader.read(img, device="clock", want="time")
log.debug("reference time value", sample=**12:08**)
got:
**8:48**
